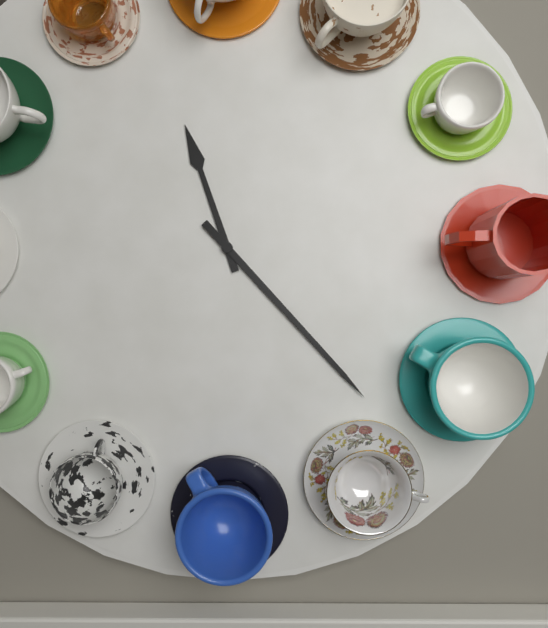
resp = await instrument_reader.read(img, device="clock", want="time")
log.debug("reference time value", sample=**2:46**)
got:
**11:23**
